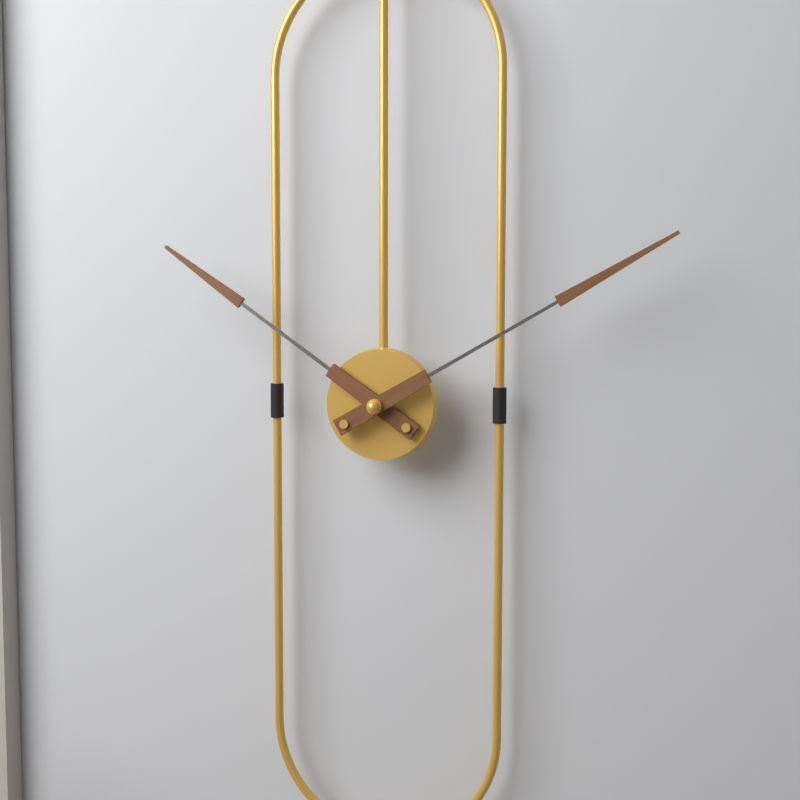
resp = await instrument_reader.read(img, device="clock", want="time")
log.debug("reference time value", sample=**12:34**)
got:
**10:10**
